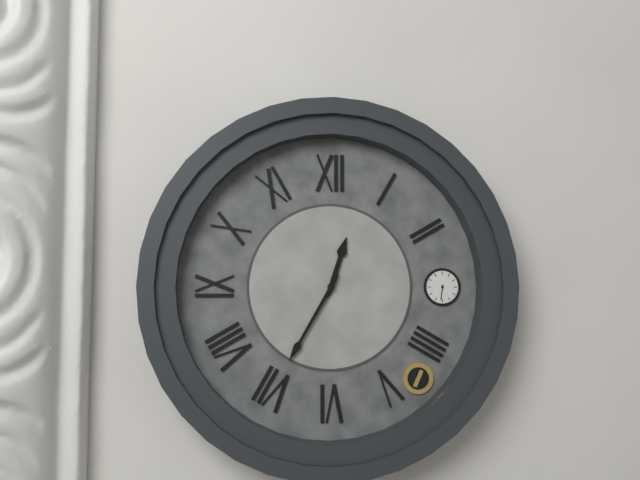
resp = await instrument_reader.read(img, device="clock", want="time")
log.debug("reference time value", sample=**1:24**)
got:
**12:35**
